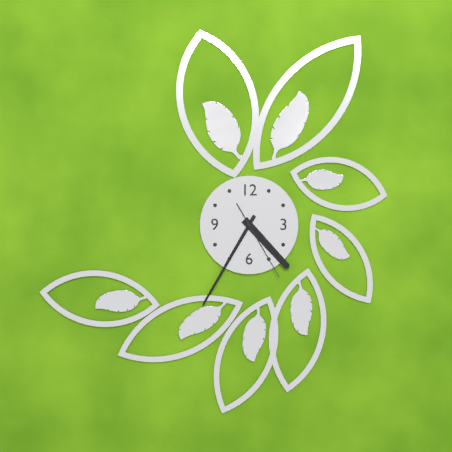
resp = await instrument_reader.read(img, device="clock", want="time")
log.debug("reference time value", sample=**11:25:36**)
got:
**4:35:25**
